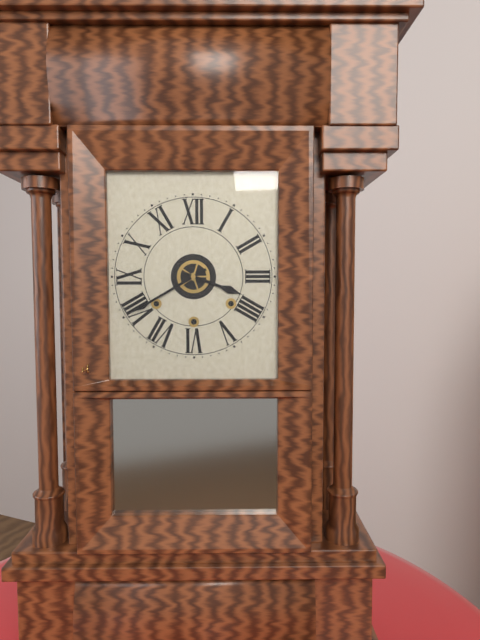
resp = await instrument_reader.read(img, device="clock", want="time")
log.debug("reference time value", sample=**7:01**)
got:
**3:40**
